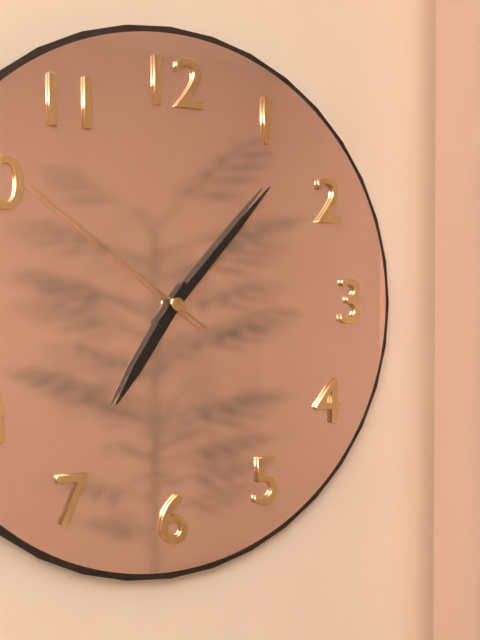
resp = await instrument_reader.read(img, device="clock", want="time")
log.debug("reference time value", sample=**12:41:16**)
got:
**7:07:51**
